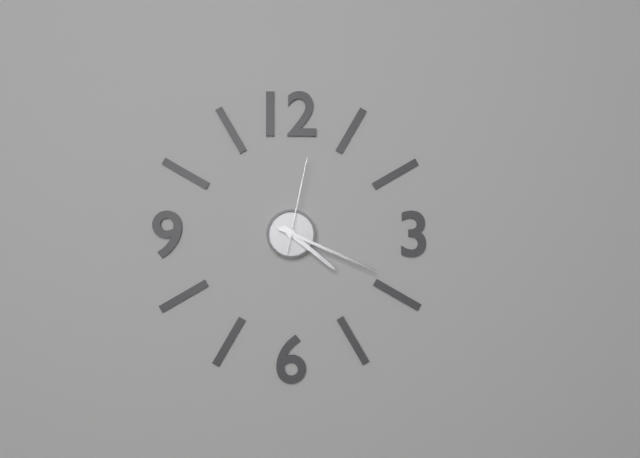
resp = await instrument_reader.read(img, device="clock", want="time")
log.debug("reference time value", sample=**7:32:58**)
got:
**4:19:02**
